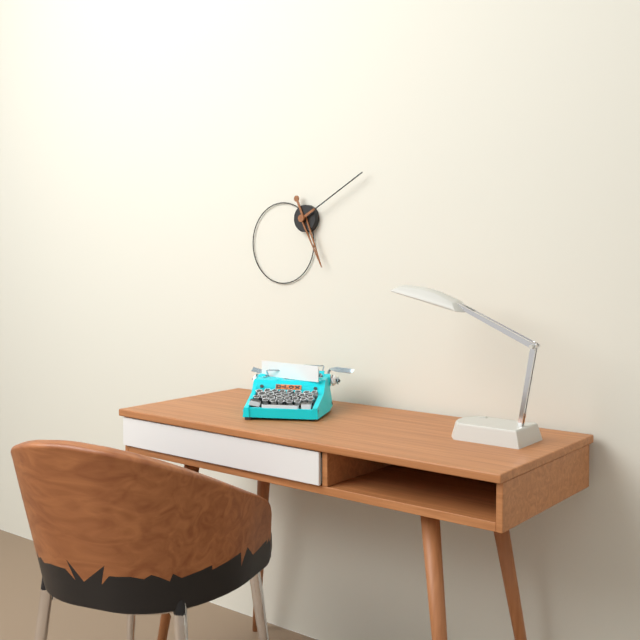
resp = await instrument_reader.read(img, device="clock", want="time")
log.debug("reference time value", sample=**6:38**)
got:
**5:10**
